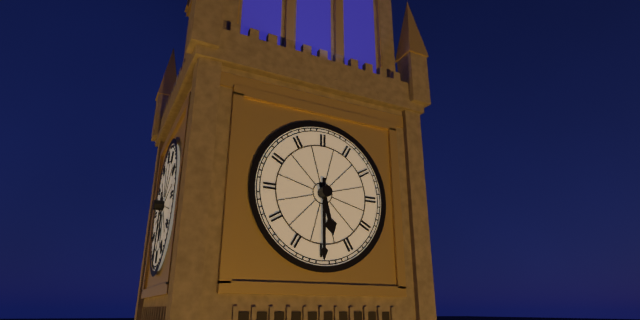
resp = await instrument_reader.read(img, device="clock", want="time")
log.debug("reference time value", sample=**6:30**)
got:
**5:30**
